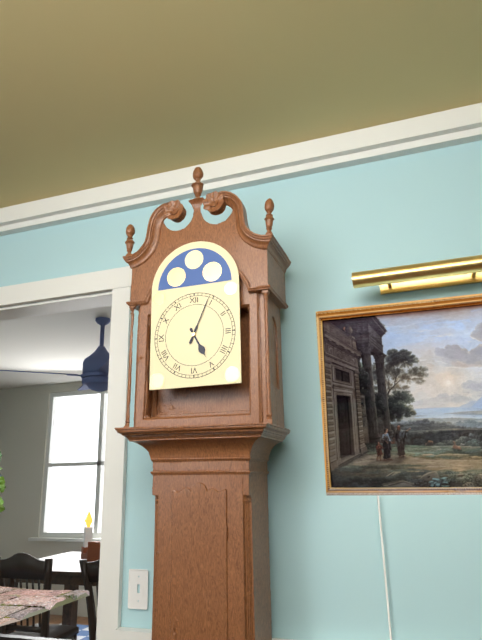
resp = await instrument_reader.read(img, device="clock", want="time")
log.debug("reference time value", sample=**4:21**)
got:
**5:04**
